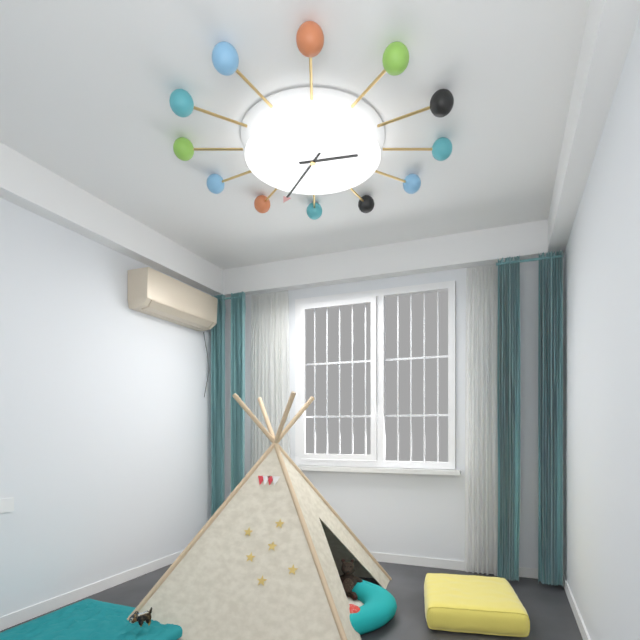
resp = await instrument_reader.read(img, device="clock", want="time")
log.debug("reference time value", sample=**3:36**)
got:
**2:34**
